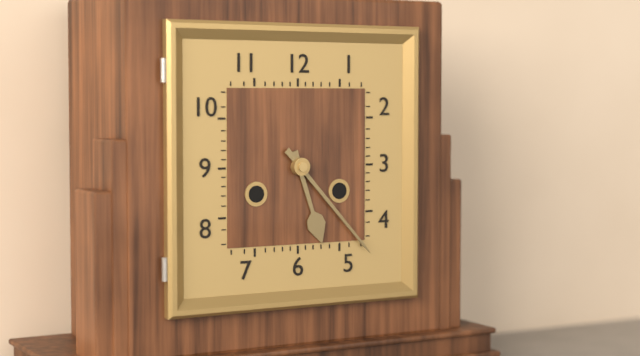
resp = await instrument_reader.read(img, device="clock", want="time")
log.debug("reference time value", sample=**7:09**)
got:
**5:23**
